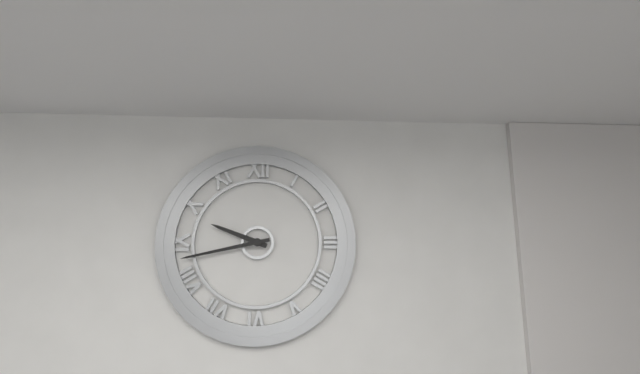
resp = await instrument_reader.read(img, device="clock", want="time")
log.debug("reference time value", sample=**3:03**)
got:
**9:43**
